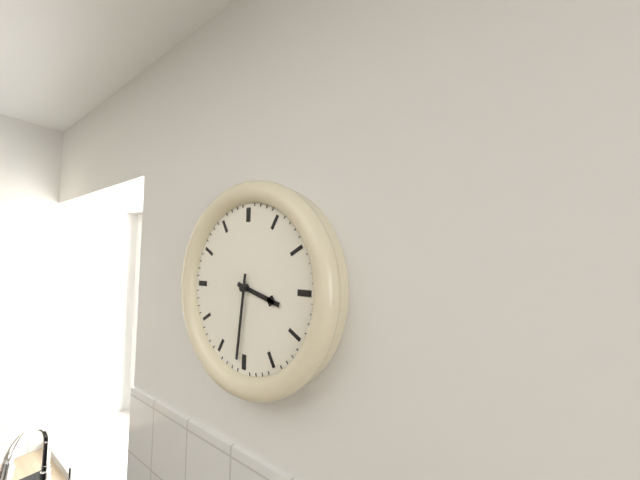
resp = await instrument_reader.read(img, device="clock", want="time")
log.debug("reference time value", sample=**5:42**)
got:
**3:31**
